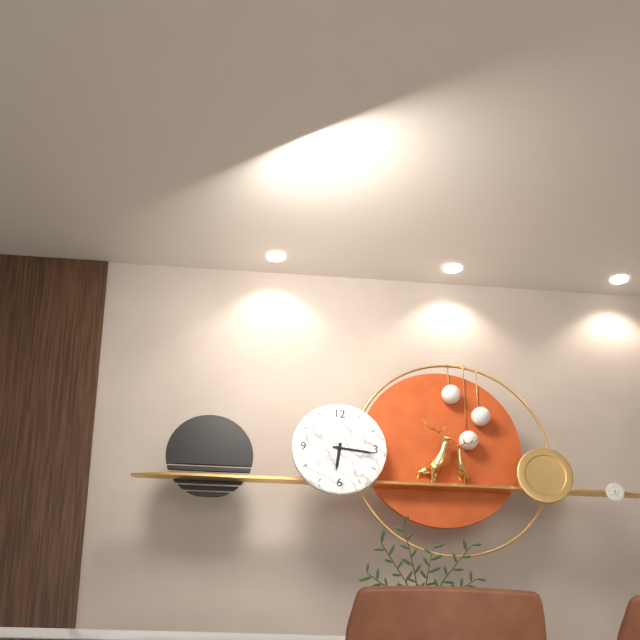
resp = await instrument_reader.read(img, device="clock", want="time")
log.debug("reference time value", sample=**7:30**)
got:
**6:16**
